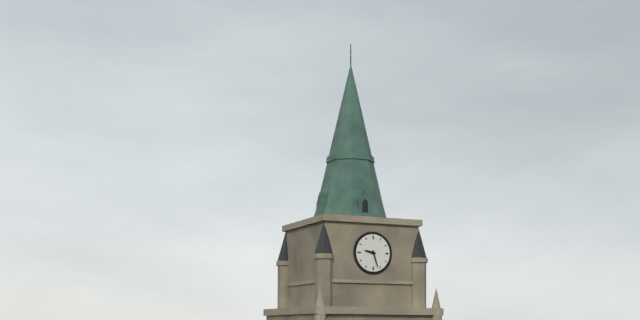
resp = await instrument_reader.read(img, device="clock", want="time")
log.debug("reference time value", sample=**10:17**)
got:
**9:27**
